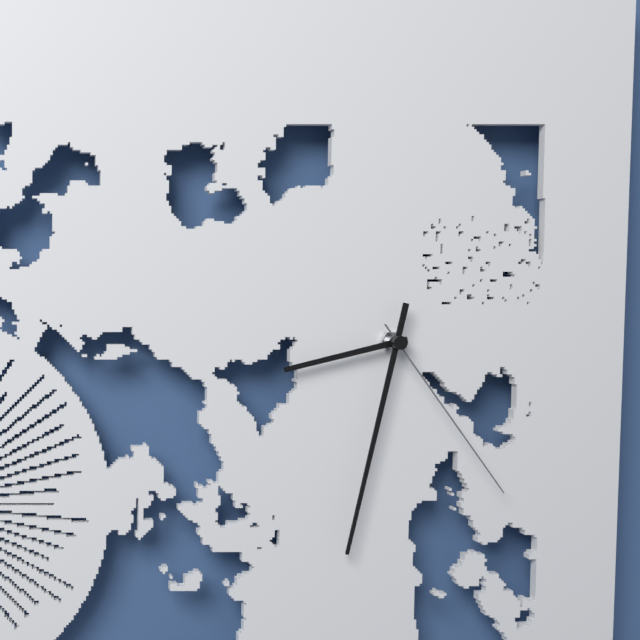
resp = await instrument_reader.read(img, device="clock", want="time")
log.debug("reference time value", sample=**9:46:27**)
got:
**8:32:24**
